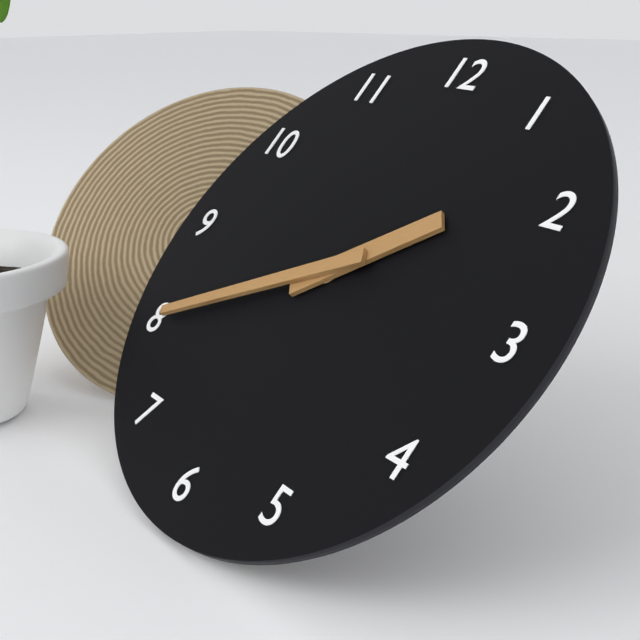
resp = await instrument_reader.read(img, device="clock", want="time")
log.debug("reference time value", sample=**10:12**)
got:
**1:40**
